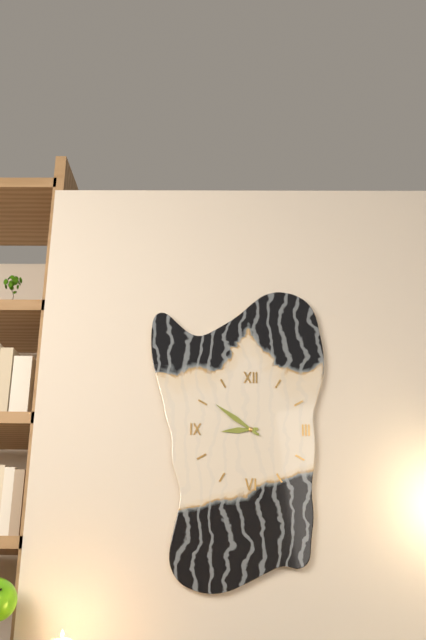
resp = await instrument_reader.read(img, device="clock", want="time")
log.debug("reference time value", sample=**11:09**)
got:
**8:51**
